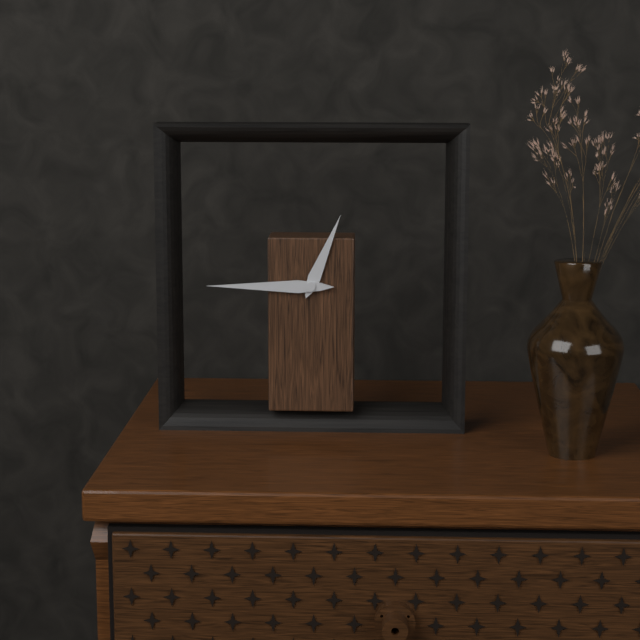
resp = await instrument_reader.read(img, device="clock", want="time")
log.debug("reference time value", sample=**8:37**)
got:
**12:45**
